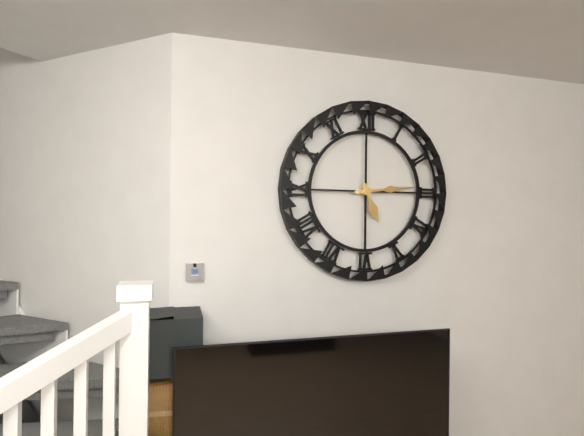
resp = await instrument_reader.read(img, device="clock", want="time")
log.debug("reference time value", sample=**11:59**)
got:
**5:14**
